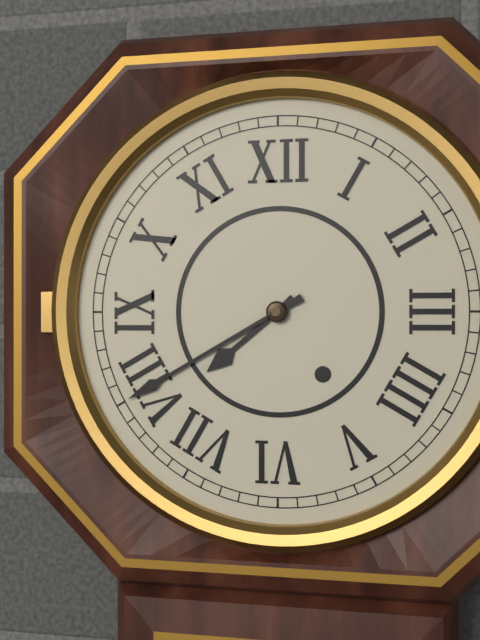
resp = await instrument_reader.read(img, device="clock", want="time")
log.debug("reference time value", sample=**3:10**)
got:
**7:40**
